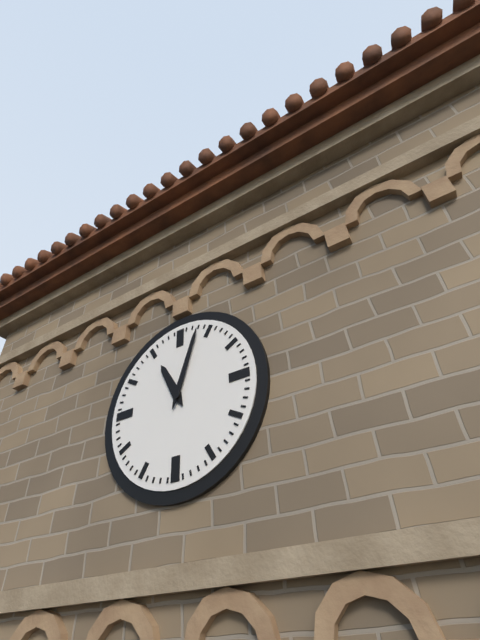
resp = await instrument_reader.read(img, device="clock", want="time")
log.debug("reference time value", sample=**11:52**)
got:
**11:03**
